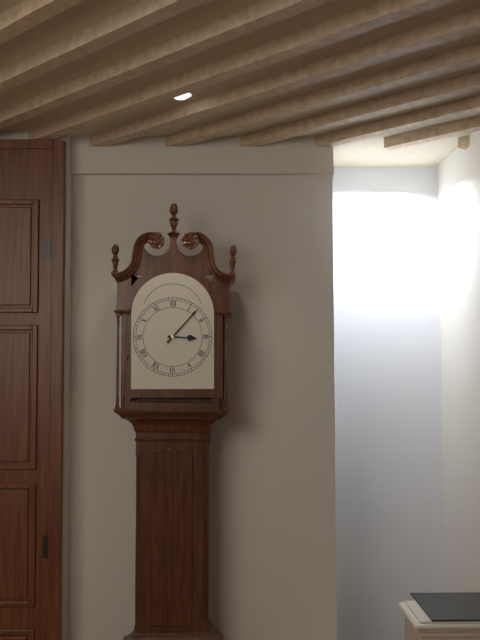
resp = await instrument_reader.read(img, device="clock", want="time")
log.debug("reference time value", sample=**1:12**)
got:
**3:07**
